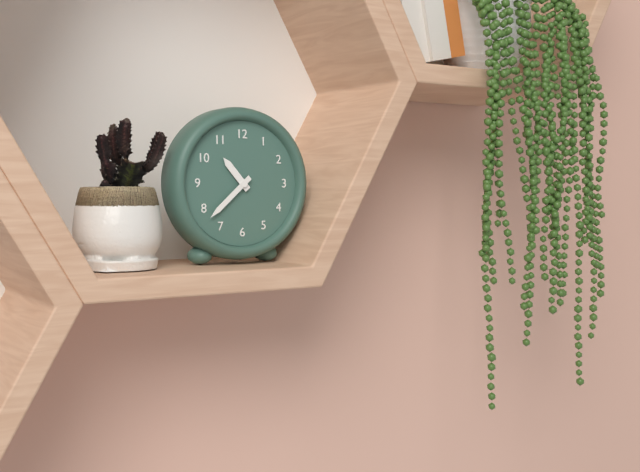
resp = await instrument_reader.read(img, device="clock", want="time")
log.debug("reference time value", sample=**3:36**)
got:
**10:38**
